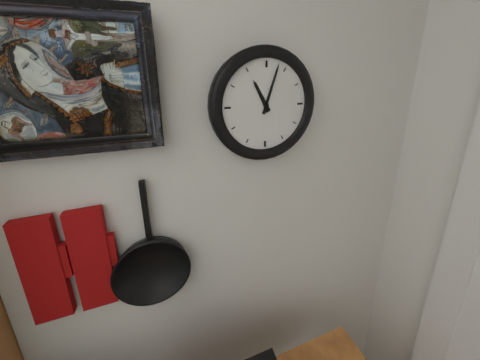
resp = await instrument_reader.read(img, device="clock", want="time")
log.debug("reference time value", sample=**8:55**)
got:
**11:03**
